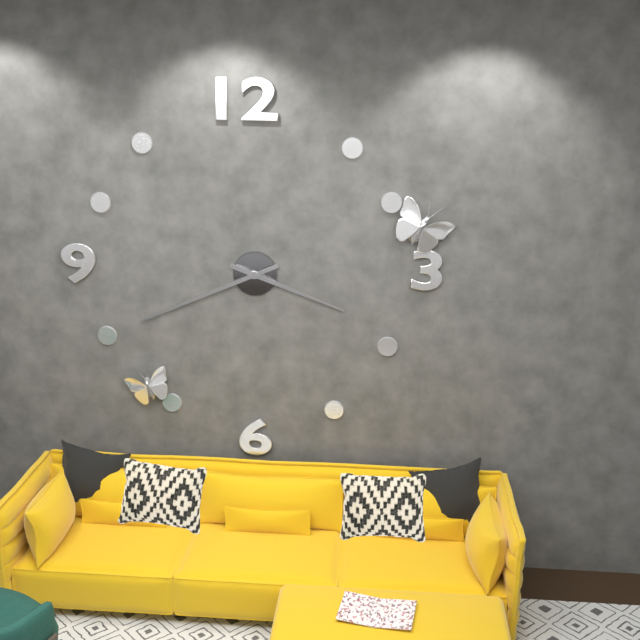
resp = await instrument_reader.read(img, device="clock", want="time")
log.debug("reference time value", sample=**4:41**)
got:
**3:41**
